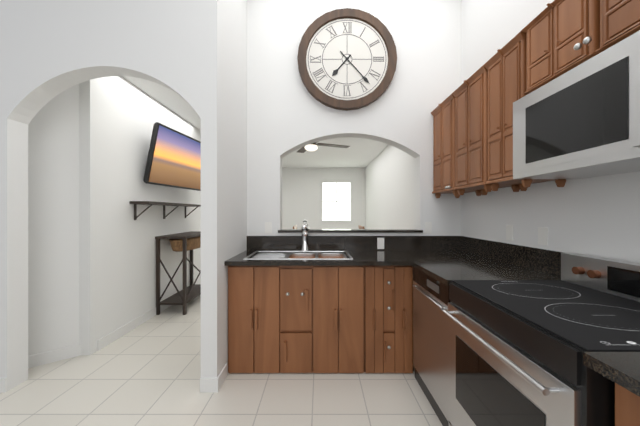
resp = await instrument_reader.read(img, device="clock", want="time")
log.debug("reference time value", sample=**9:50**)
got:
**7:23**
